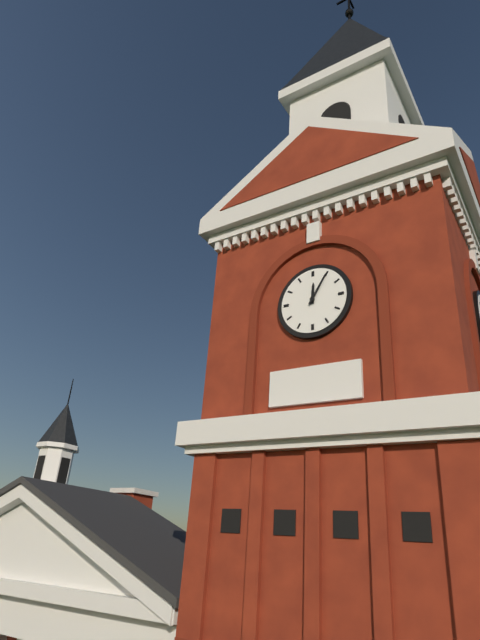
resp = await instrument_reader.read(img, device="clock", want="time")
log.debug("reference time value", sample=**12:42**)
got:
**12:05**
